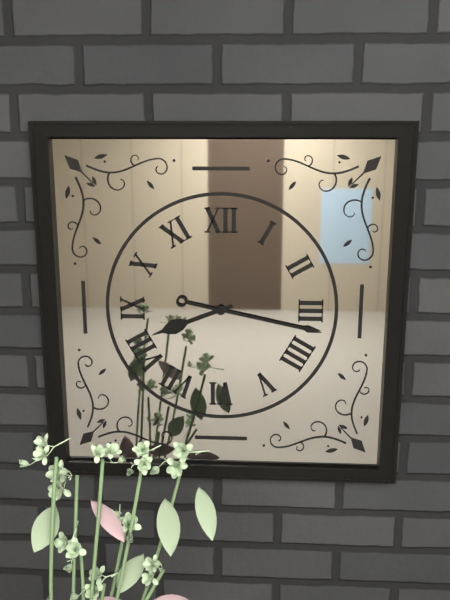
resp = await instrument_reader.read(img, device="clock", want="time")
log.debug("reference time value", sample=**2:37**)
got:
**8:17**
